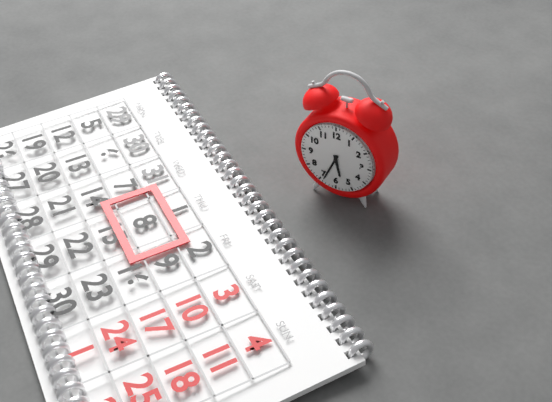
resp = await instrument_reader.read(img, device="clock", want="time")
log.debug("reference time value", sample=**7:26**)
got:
**5:34**
